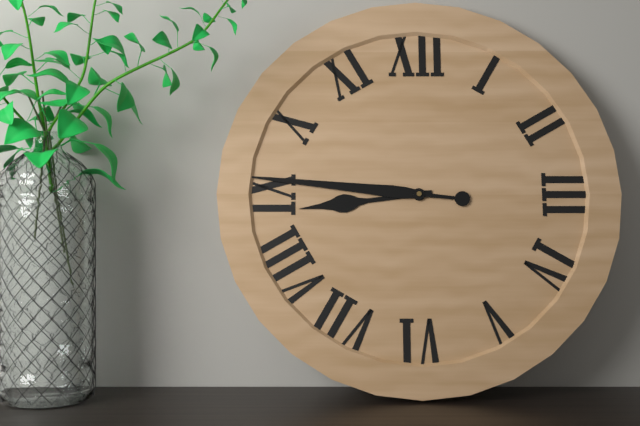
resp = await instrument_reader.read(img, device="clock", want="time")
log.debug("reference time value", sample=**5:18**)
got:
**8:46**
